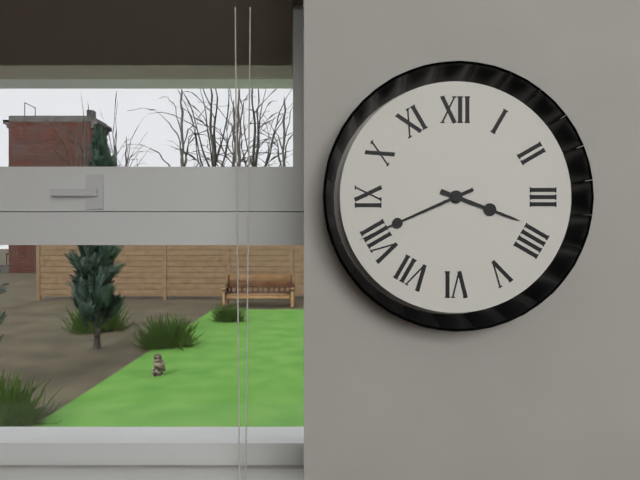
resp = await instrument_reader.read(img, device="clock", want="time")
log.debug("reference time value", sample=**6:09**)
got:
**3:41**
